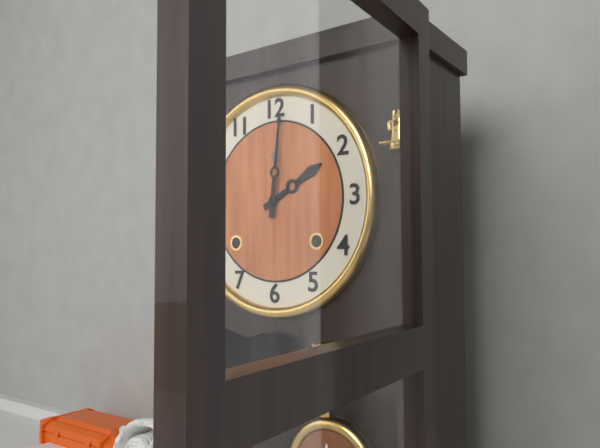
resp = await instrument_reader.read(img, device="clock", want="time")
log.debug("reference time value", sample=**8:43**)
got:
**2:01**
